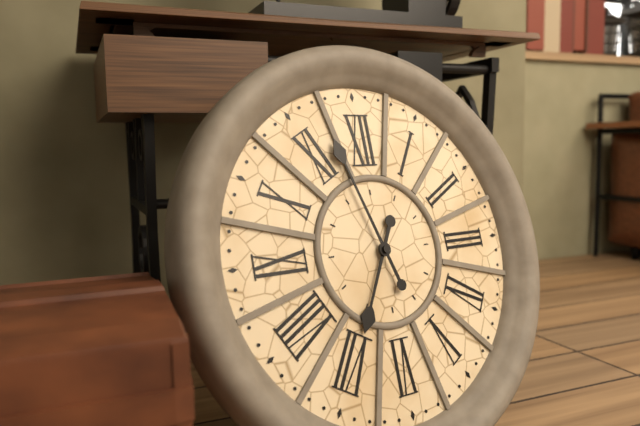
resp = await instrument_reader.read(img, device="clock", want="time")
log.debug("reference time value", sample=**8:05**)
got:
**6:57**
